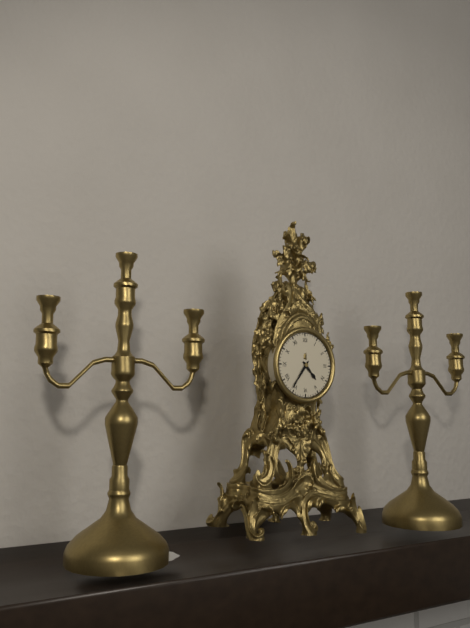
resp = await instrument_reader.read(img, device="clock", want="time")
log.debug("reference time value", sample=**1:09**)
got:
**4:36**
